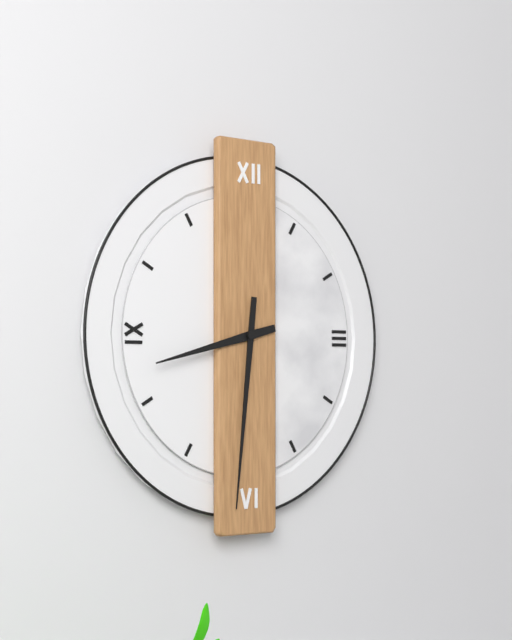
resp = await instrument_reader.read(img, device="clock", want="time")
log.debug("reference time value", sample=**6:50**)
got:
**8:31**
